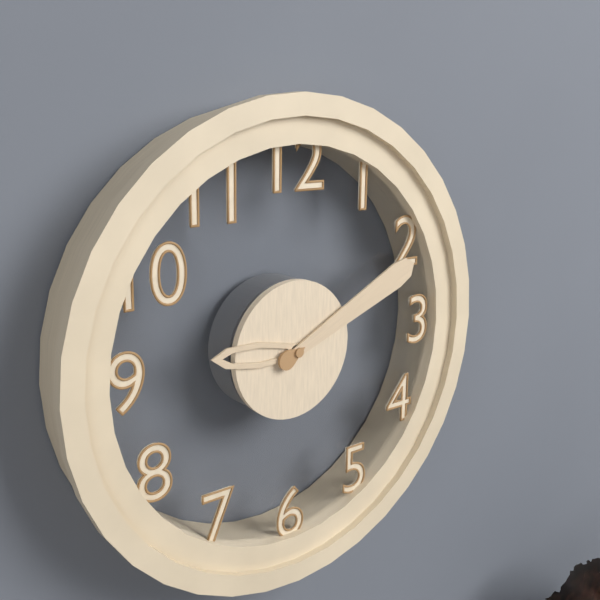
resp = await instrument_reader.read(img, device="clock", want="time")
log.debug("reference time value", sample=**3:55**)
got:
**9:11**
